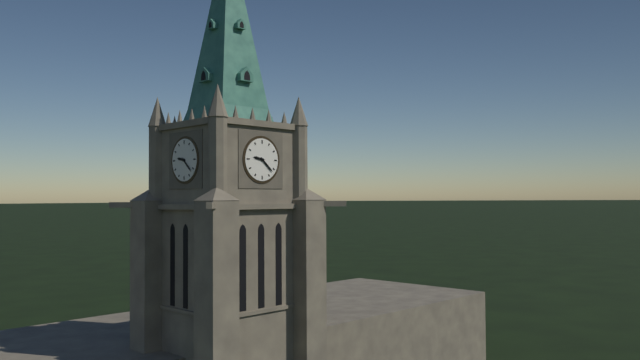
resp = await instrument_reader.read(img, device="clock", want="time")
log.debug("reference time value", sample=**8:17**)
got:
**9:22**
